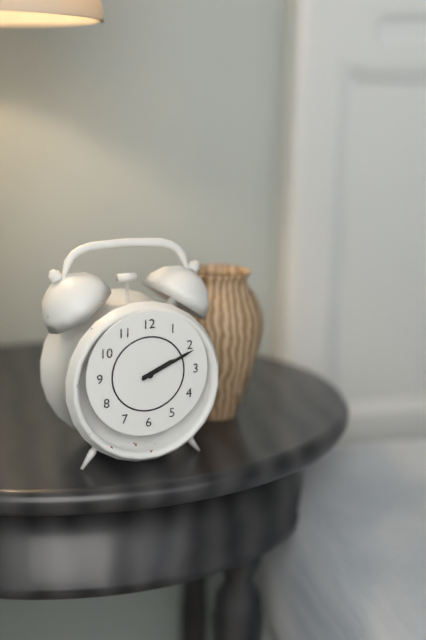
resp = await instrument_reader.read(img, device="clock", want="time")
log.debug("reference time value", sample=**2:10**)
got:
**2:11**
